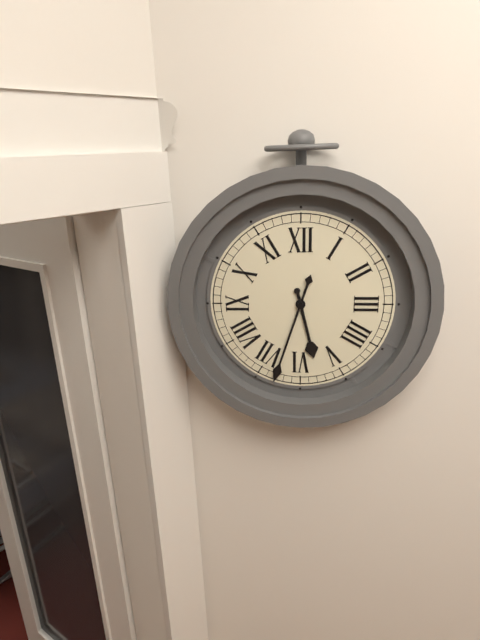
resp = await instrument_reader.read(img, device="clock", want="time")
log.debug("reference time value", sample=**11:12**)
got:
**5:33**
